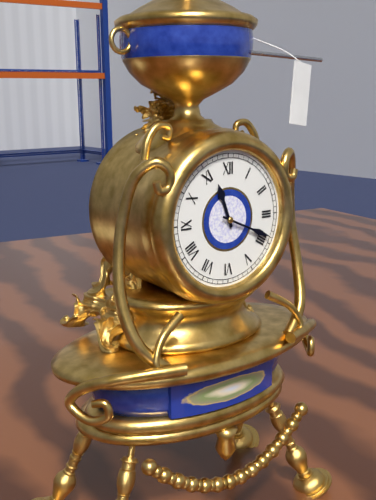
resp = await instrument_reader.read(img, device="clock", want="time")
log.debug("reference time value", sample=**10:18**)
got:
**11:19**
